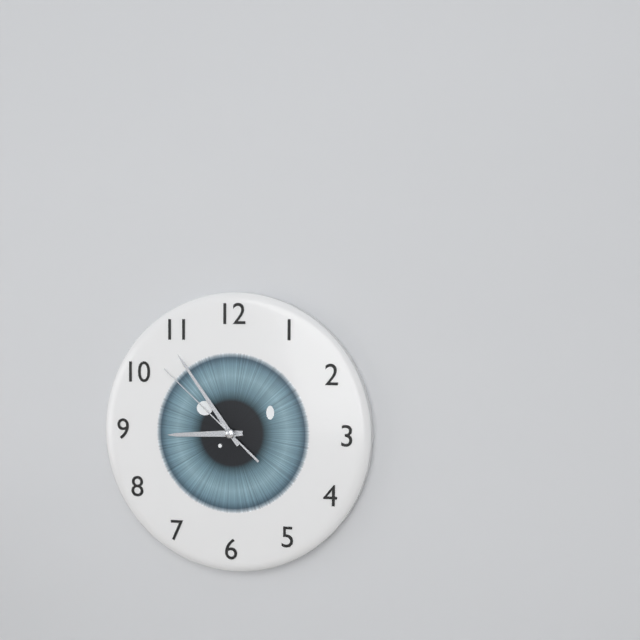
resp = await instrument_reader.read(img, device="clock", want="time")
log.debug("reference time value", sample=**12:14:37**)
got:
**8:54:52**
